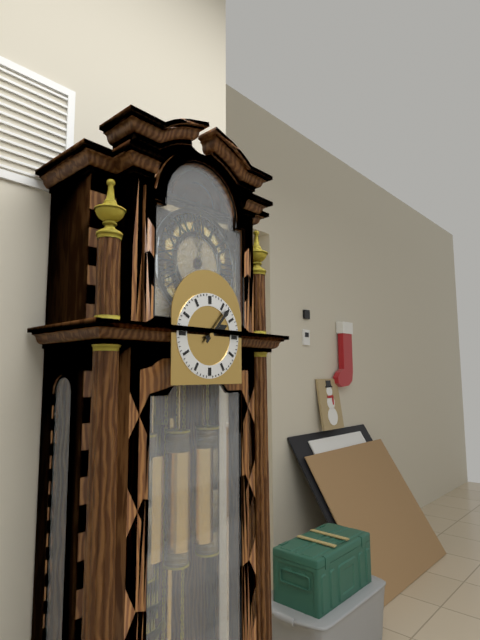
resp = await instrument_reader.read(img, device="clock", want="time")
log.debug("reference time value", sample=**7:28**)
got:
**2:07**
